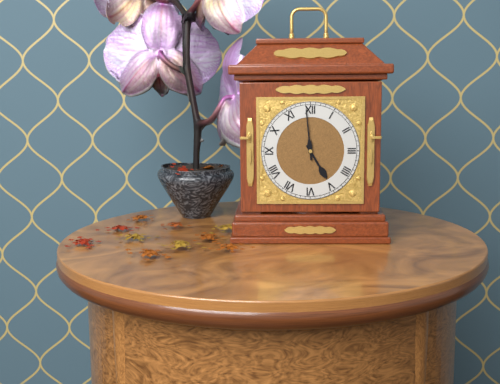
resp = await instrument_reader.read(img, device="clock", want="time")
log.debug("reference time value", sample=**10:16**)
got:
**4:59**
